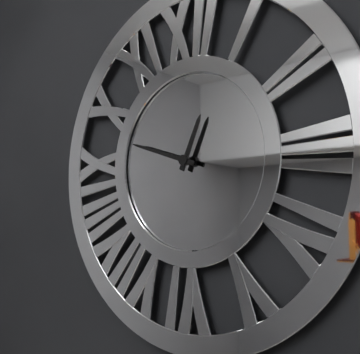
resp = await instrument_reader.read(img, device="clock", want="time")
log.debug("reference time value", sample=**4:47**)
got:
**12:48**
